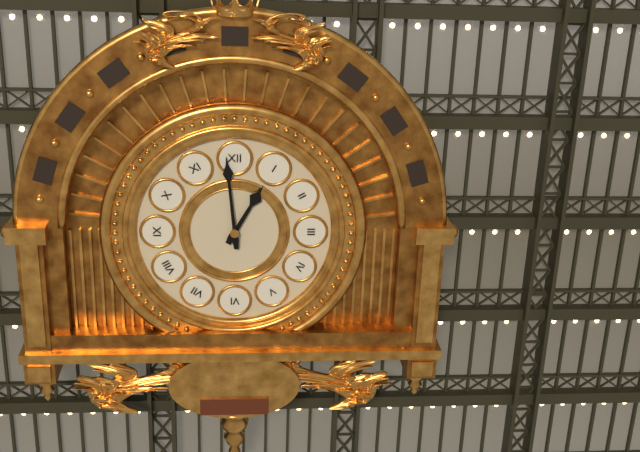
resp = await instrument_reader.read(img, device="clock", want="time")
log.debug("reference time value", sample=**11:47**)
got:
**12:59**
